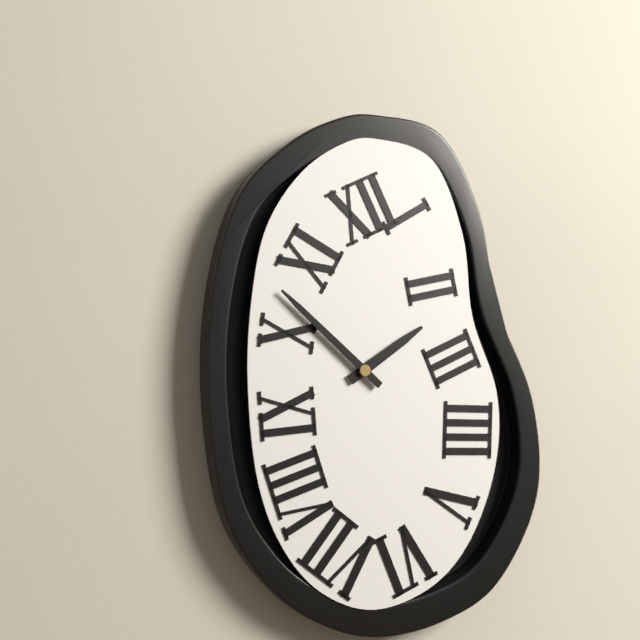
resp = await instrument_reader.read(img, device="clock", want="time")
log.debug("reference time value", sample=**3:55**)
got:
**1:52**
